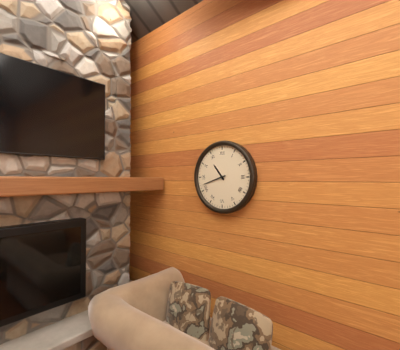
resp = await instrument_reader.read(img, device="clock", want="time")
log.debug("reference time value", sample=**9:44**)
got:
**10:42**
